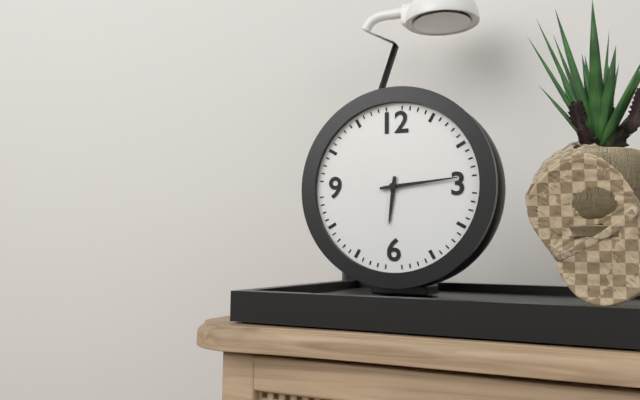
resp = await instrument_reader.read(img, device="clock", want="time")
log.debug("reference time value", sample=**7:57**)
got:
**6:14**
